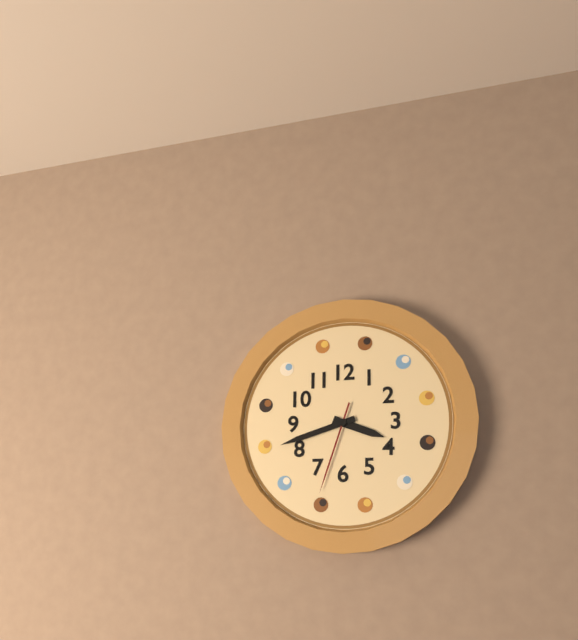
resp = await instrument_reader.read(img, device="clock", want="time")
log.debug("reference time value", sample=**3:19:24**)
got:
**3:42:33**
